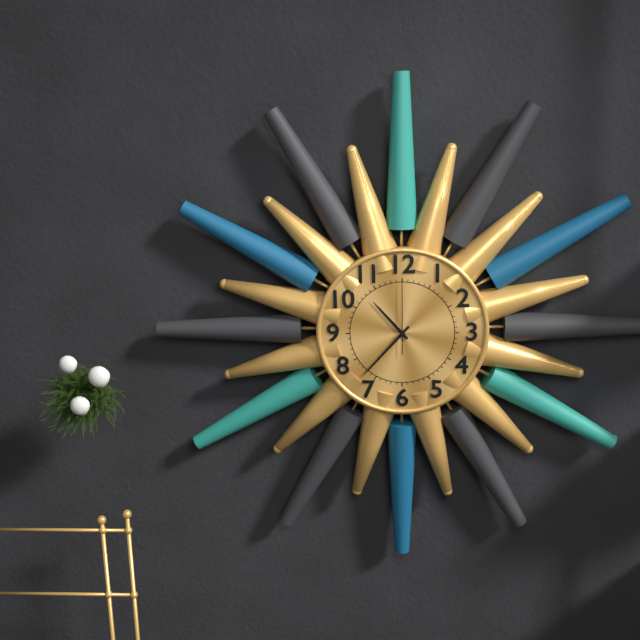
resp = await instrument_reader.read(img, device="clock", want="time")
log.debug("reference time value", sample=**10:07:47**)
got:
**10:37:00**
